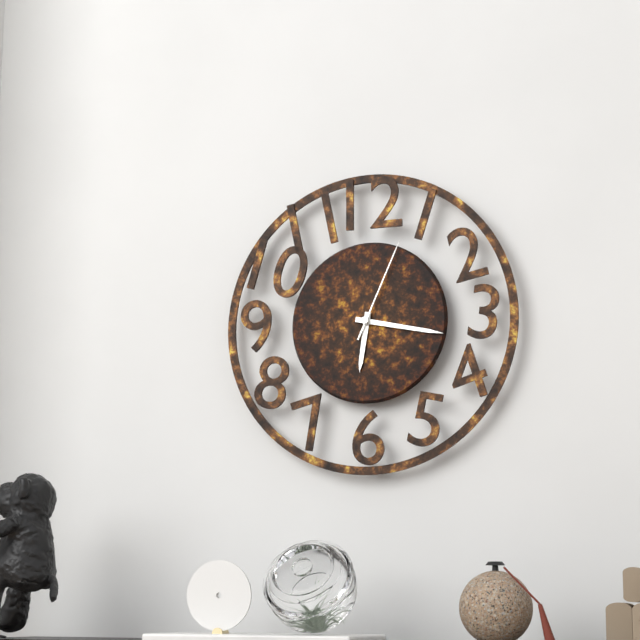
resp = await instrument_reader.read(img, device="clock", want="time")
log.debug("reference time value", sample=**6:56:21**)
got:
**6:17:04**
